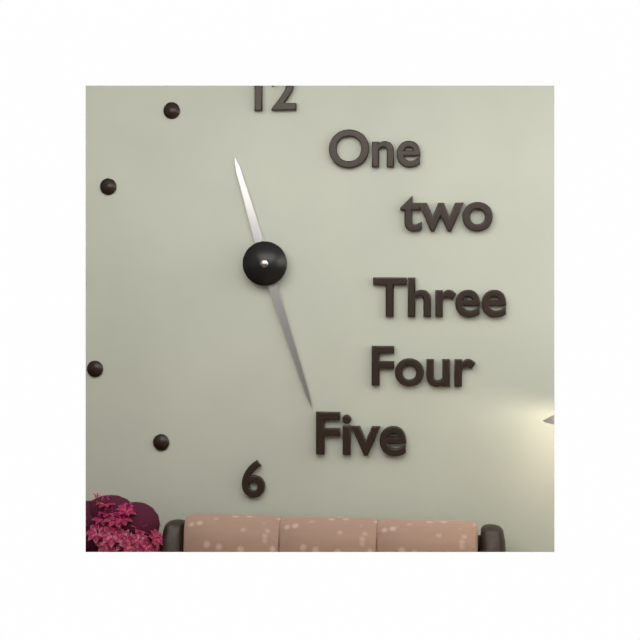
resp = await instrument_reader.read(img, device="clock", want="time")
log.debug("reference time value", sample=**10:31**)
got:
**11:27**
